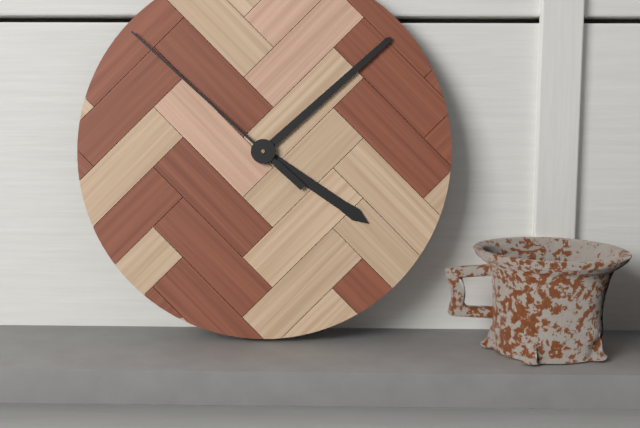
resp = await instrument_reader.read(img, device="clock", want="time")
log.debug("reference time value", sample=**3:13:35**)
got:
**4:08:52**
